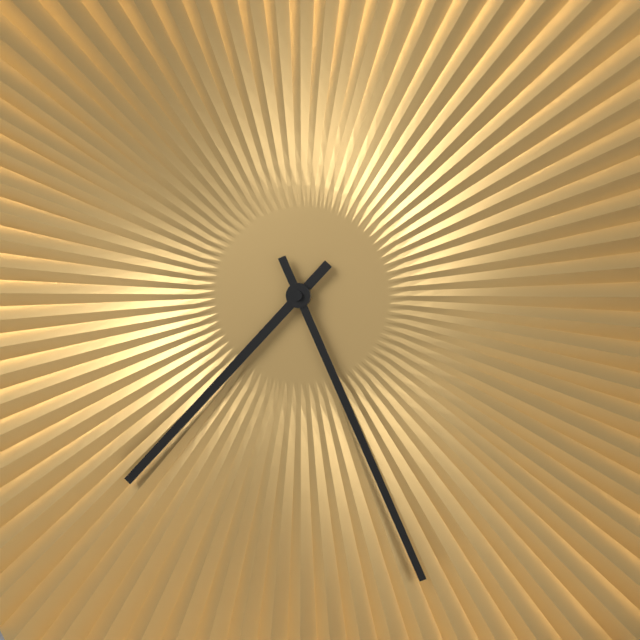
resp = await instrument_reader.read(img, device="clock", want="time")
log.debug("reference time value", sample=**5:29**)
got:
**7:26**
